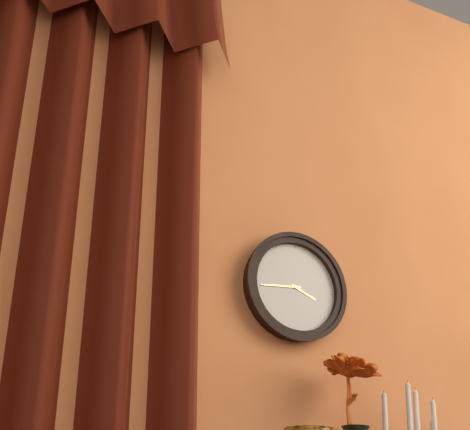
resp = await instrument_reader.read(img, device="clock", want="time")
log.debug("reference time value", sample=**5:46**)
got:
**3:44**
